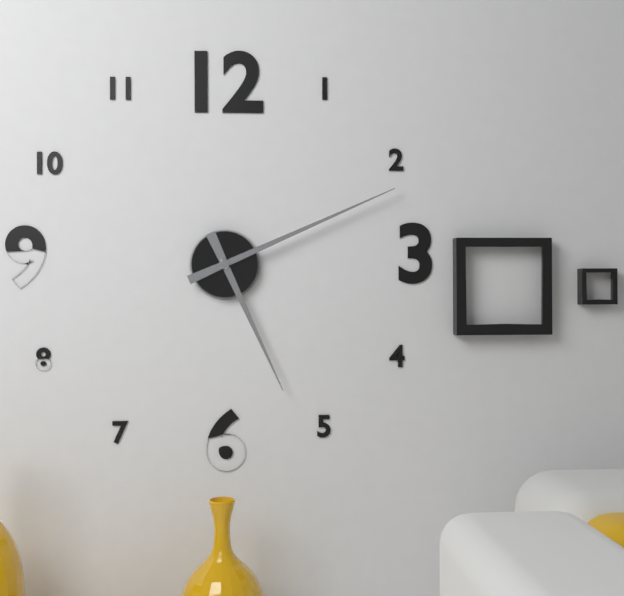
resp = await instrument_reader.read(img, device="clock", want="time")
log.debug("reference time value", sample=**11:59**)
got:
**5:11**
